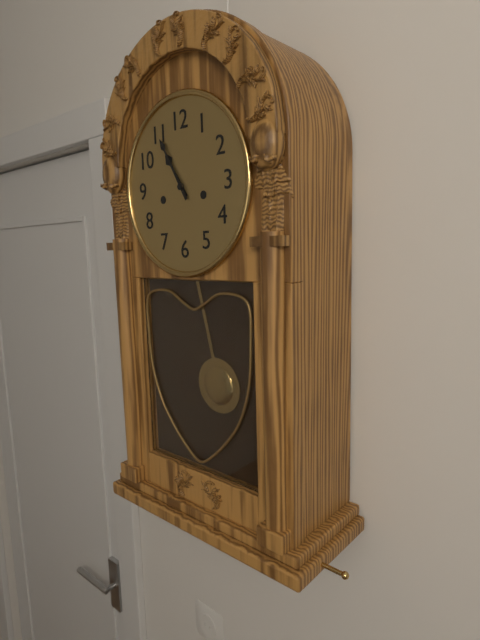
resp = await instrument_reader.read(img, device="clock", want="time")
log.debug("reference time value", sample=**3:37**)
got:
**10:55**
